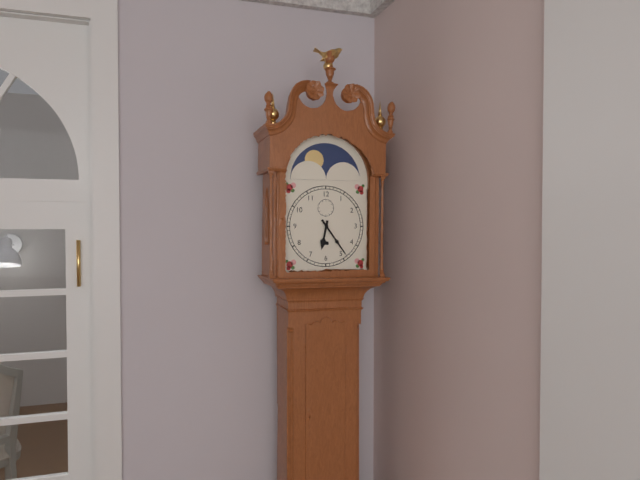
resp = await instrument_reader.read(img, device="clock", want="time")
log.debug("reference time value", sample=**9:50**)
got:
**6:24**
